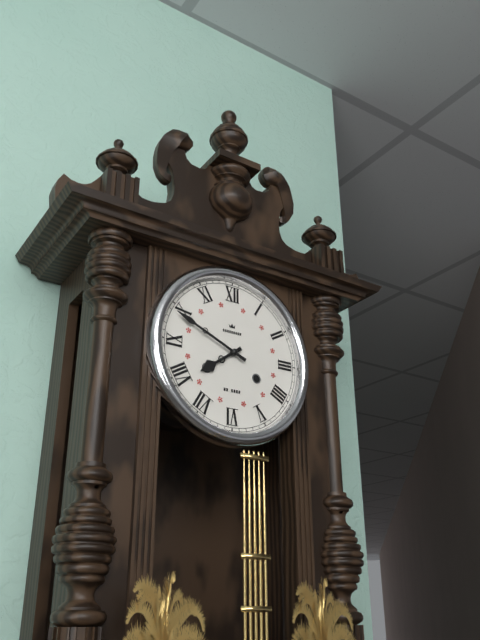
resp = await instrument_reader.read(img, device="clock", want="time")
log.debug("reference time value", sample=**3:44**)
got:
**7:49**
